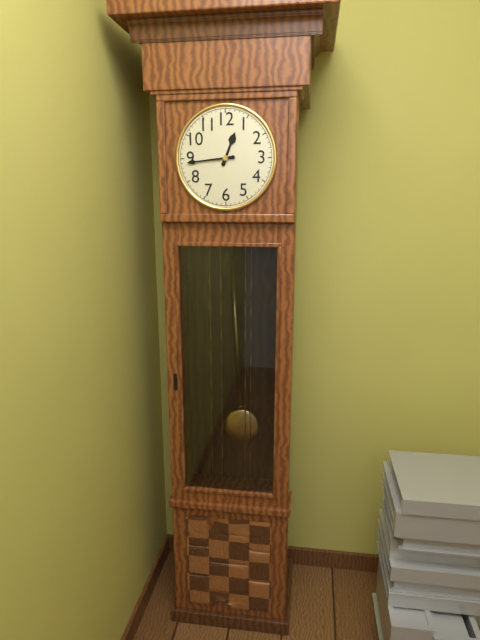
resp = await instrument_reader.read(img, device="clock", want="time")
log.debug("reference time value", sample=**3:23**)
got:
**12:44**
